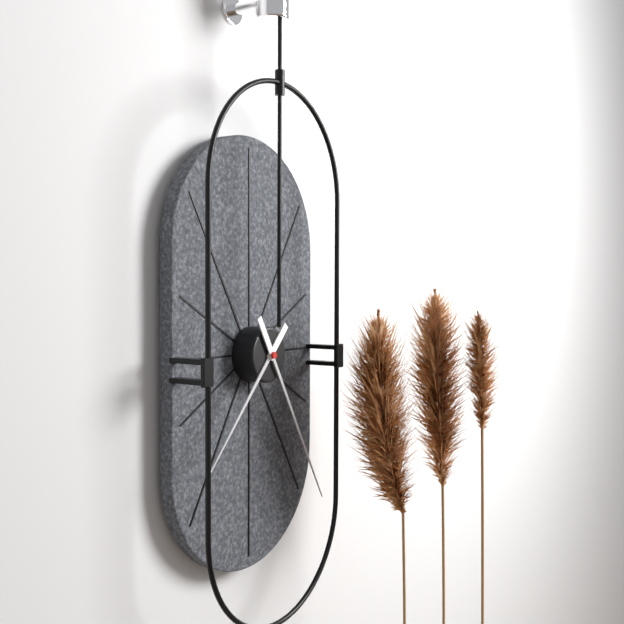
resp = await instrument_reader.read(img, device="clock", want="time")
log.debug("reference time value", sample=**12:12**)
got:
**7:25**
